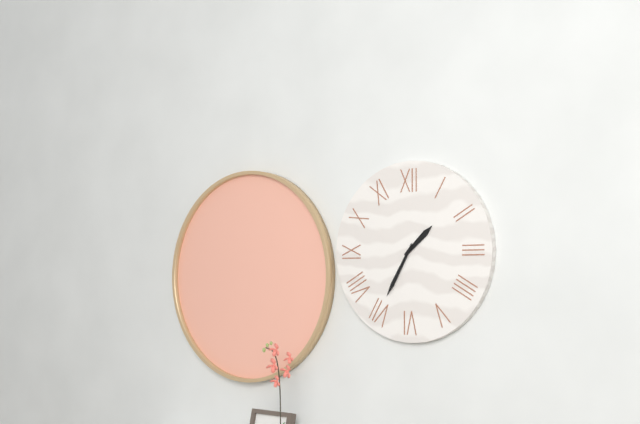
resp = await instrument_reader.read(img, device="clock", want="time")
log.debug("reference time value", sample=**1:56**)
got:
**1:35**
